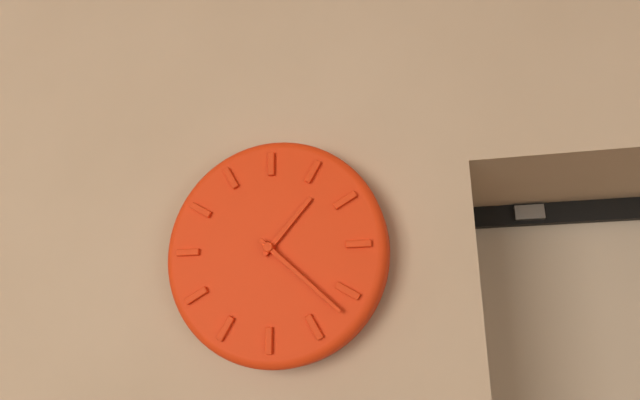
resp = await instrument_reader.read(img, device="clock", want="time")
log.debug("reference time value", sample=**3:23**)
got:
**1:22**
